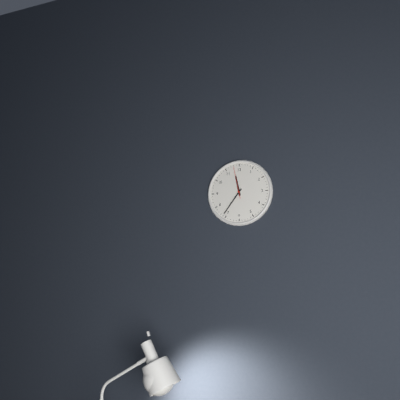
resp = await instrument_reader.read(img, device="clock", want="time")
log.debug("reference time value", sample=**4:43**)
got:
**11:36**
